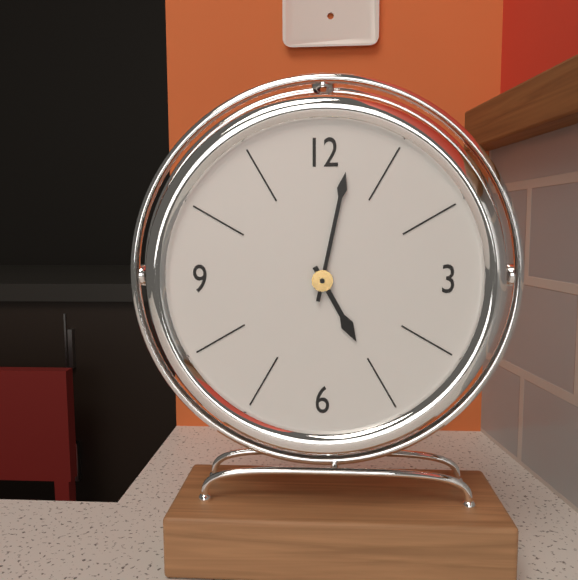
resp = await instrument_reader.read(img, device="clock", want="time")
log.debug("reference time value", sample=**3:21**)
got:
**5:02**
